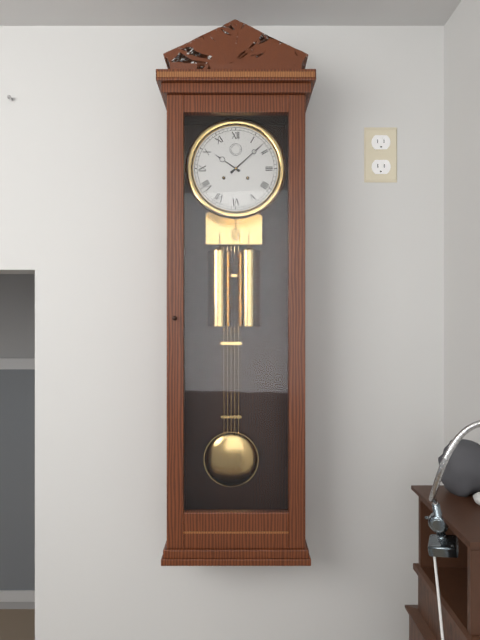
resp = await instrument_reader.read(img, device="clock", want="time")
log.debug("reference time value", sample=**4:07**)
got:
**10:08**
